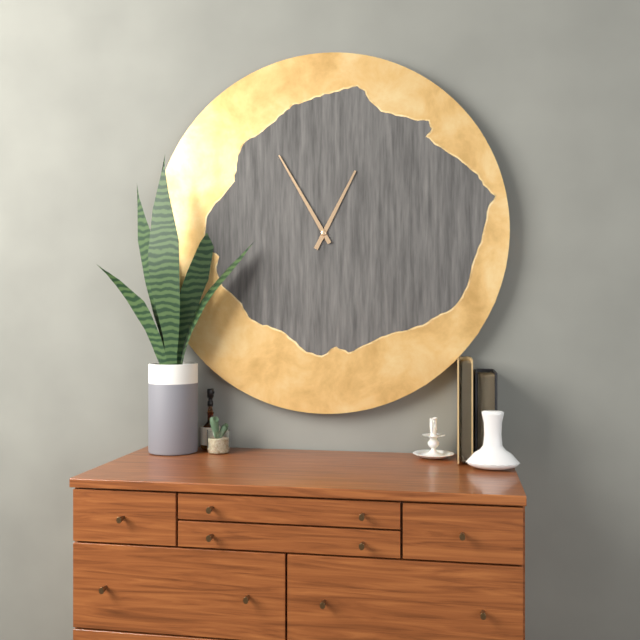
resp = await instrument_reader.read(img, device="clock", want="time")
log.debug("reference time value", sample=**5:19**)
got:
**12:55**
